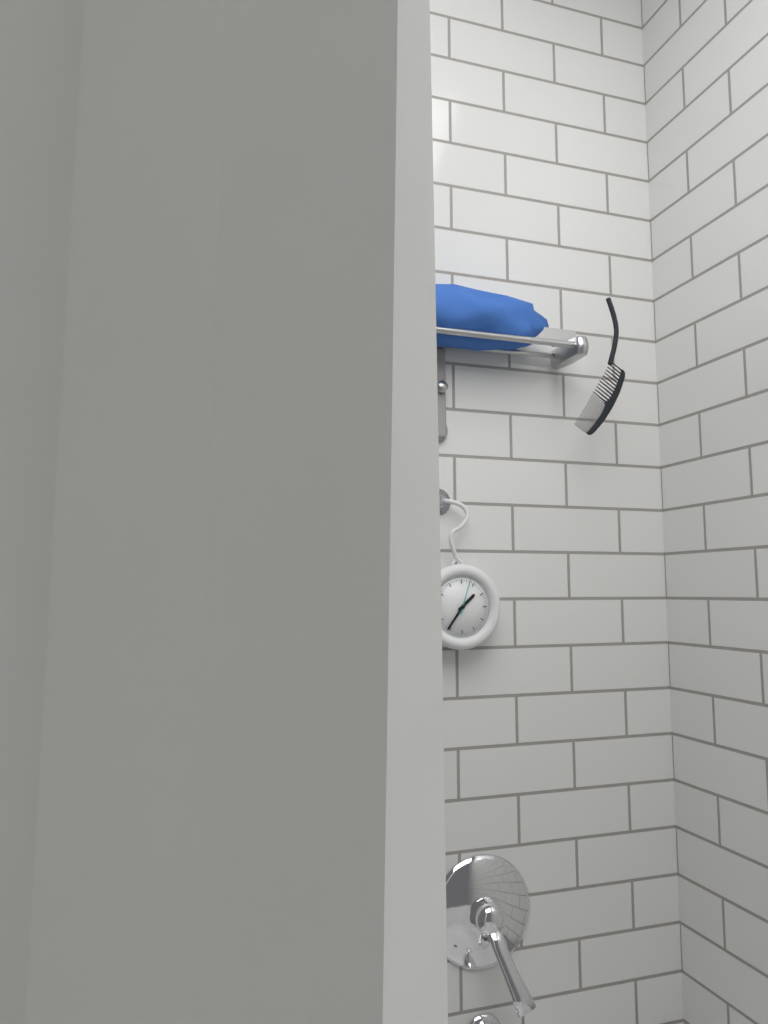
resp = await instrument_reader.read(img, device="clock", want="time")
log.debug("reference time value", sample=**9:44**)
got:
**1:36**
